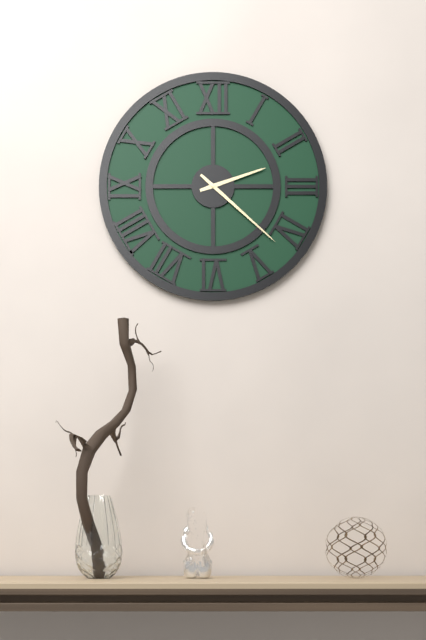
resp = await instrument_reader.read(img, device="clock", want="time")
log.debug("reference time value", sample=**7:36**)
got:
**2:22**
